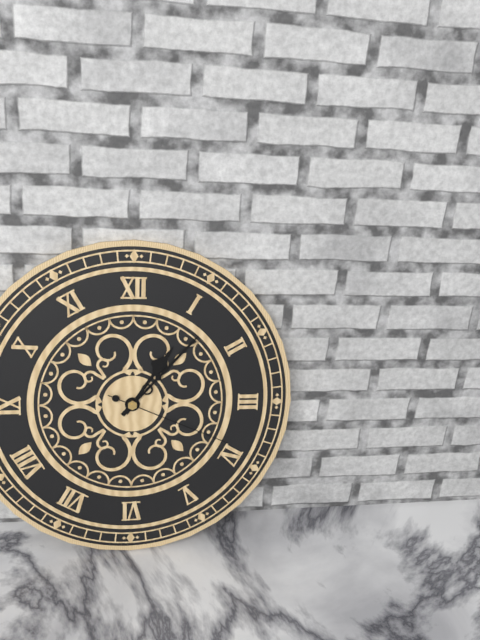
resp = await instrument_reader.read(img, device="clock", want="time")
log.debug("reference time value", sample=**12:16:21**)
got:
**1:07:19**
